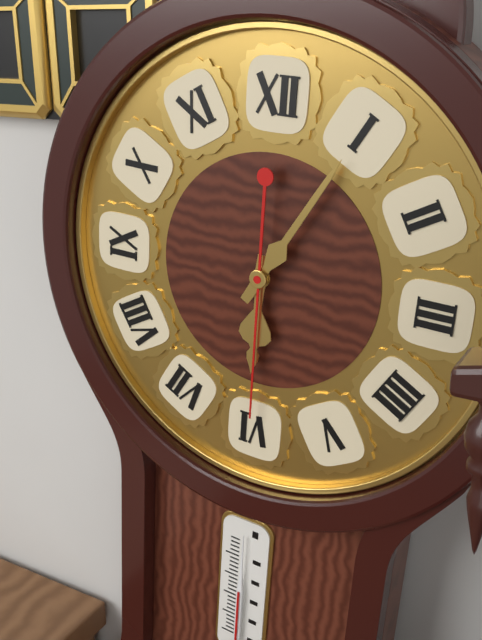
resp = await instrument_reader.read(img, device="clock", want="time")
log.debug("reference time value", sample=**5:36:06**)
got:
**6:05:30**
